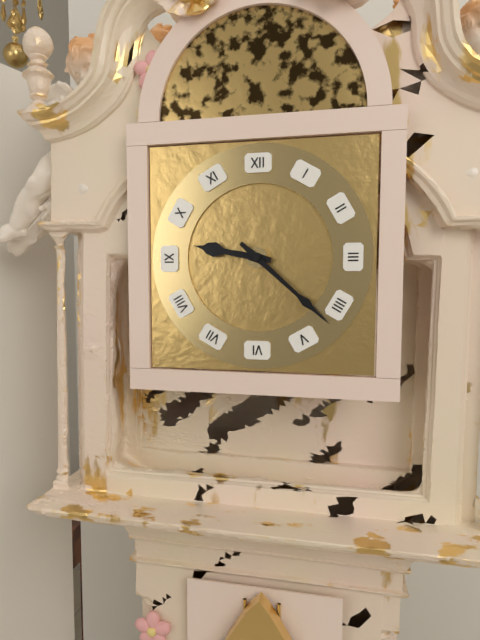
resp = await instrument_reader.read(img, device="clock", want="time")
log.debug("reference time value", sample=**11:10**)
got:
**9:22**
